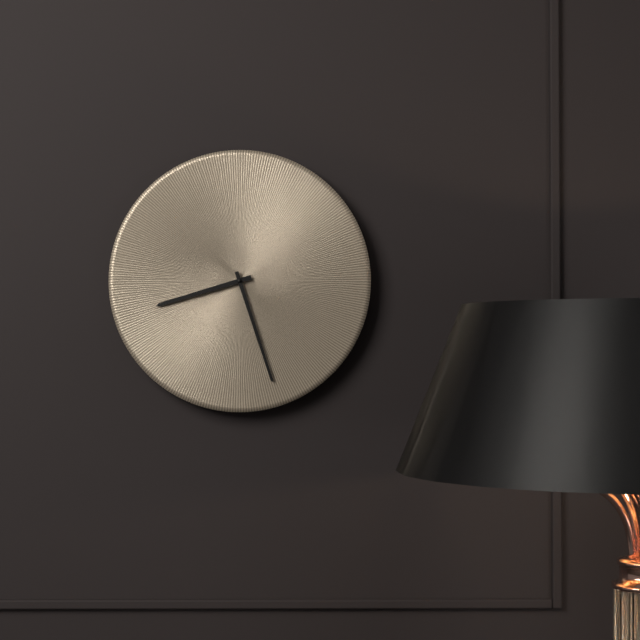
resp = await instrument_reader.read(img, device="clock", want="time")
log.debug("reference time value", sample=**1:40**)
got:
**8:27**
